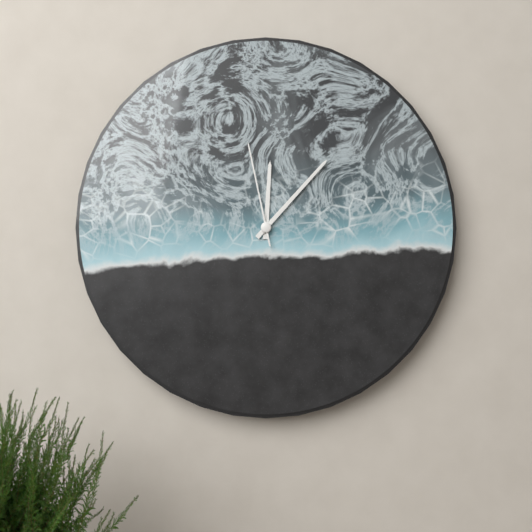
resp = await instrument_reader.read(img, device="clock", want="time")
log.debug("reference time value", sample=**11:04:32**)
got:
**12:07:58**
